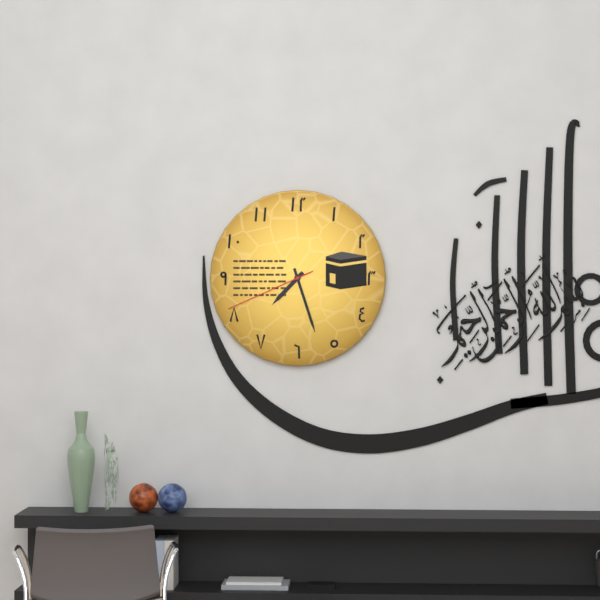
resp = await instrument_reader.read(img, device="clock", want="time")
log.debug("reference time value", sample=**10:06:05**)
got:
**7:27:41**
